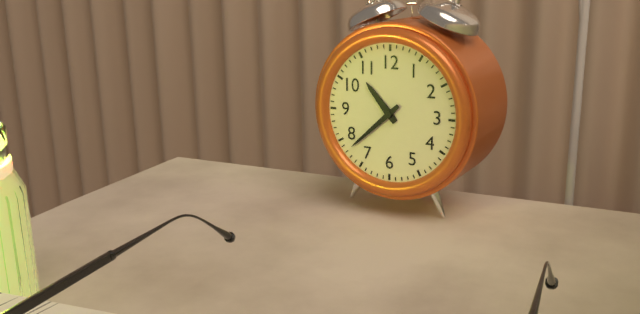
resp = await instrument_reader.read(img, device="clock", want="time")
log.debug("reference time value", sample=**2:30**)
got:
**10:38**
